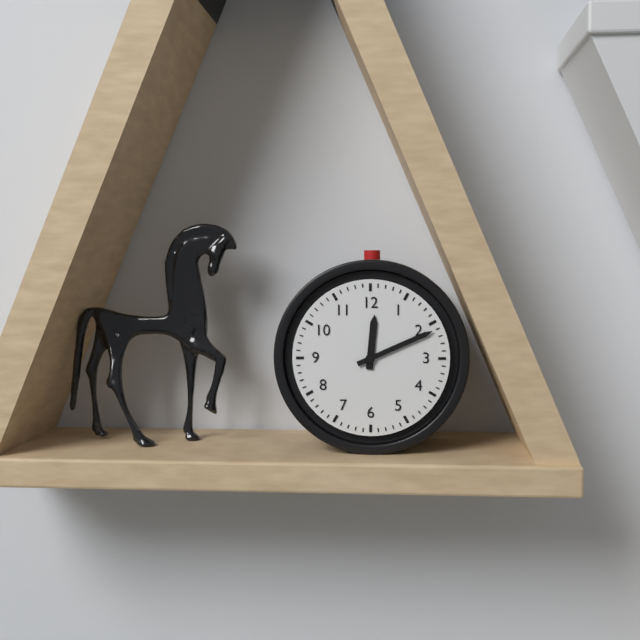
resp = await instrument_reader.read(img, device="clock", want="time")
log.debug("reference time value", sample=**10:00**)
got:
**12:11**
